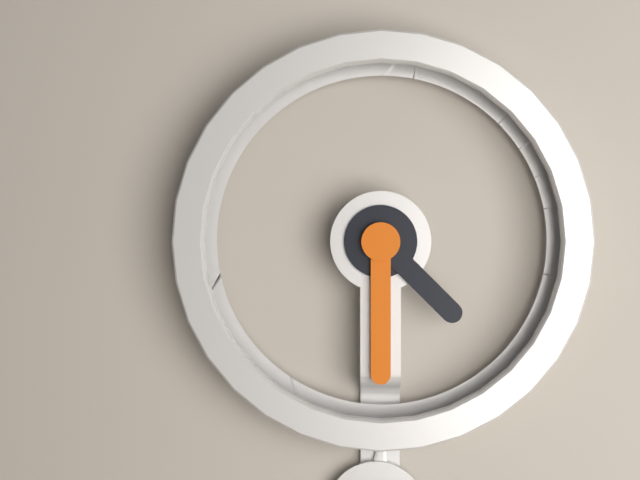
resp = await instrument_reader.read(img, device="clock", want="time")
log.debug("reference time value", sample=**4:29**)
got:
**4:30**
